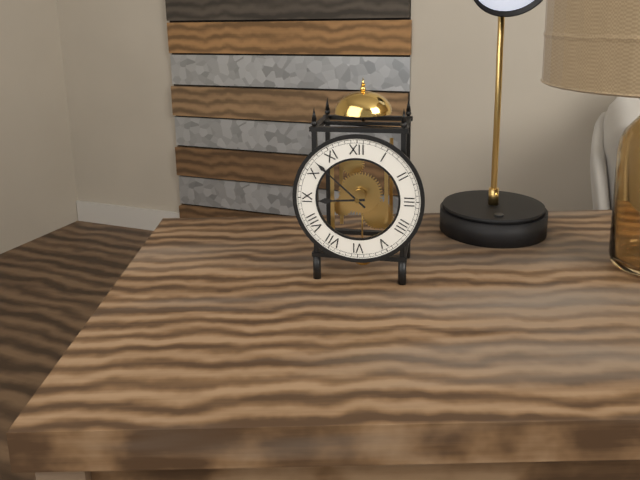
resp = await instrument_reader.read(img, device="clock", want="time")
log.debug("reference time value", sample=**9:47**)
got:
**8:52**
